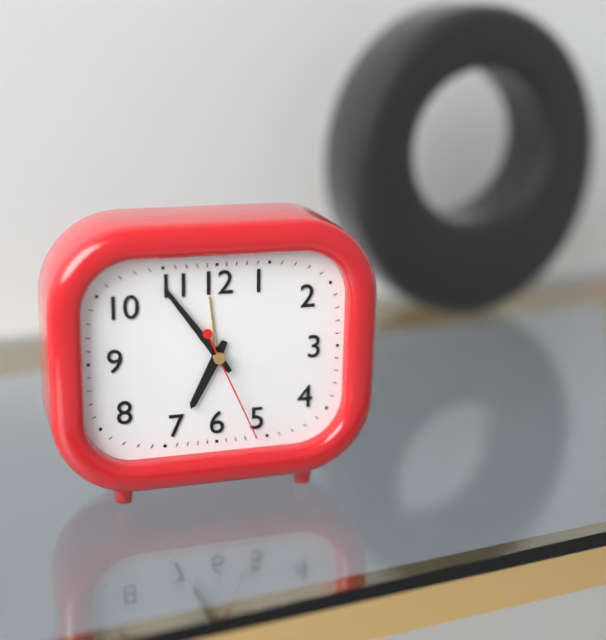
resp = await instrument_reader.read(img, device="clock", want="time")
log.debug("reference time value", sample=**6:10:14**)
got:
**6:54:26**
